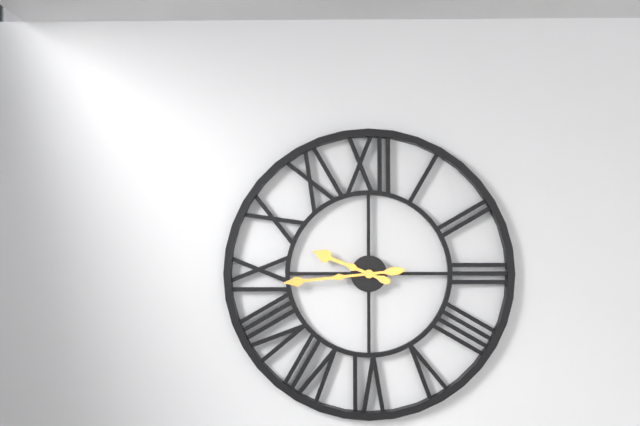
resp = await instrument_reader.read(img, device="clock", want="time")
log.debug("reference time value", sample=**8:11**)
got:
**9:44**
